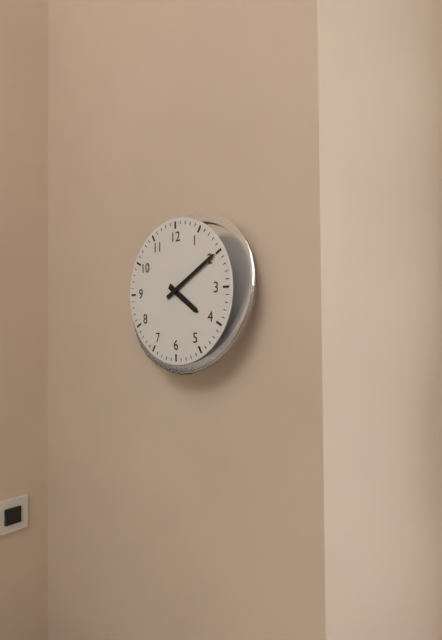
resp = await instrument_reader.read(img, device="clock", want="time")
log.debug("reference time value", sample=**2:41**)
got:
**4:10**
